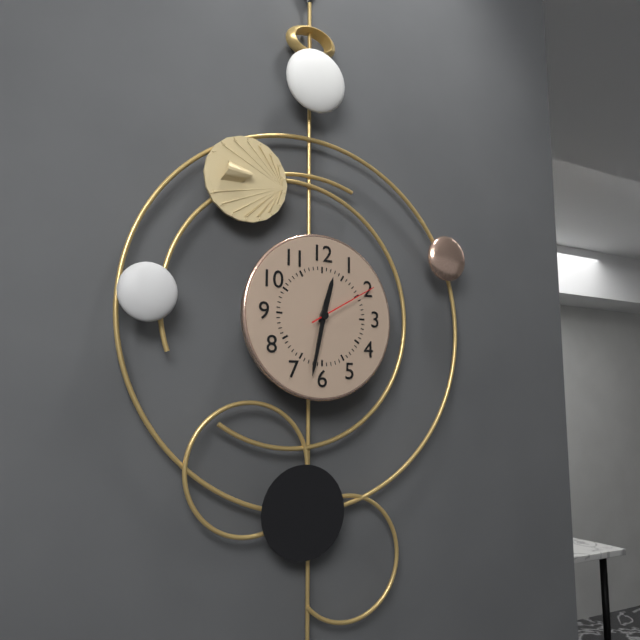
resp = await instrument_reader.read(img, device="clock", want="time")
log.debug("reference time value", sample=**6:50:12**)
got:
**12:32:10**
